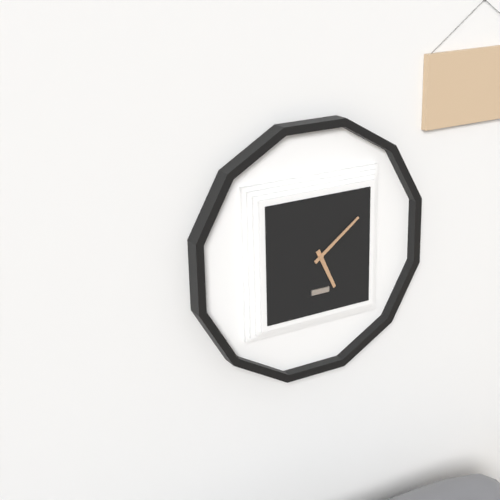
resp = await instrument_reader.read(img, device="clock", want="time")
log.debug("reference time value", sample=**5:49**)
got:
**5:09**
